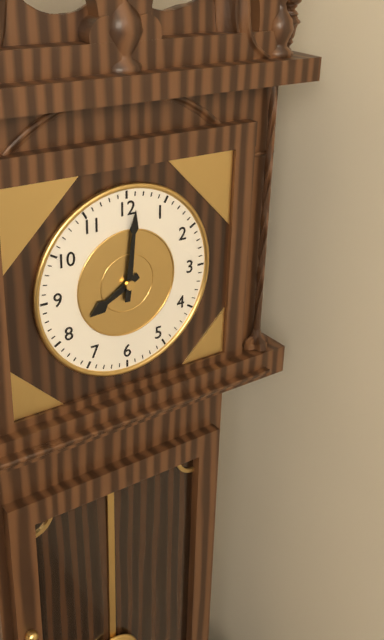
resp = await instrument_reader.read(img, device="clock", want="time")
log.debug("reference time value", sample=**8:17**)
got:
**8:01**
